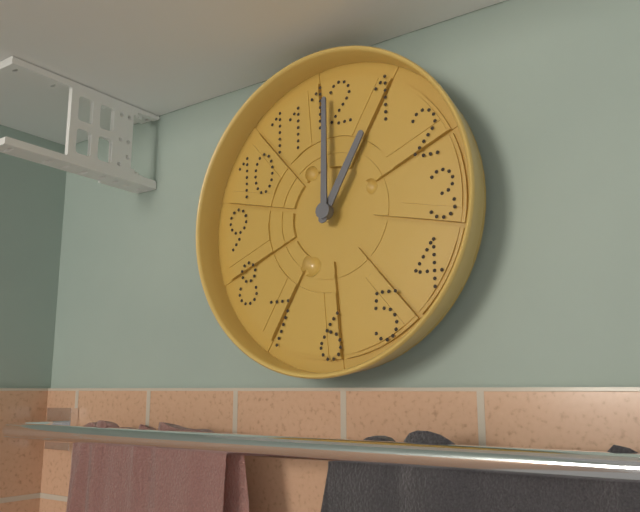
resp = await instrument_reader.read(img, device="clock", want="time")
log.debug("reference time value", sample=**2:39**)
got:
**1:00**
